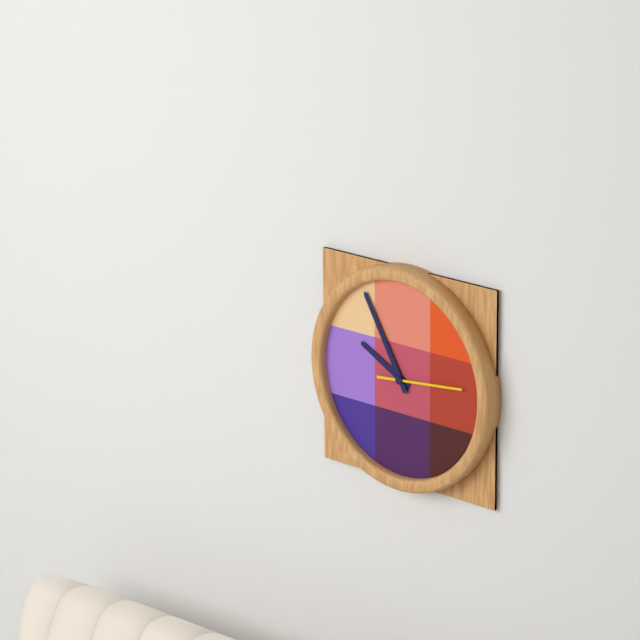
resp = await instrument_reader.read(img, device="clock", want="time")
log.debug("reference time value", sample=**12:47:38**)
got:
**9:55:14**
